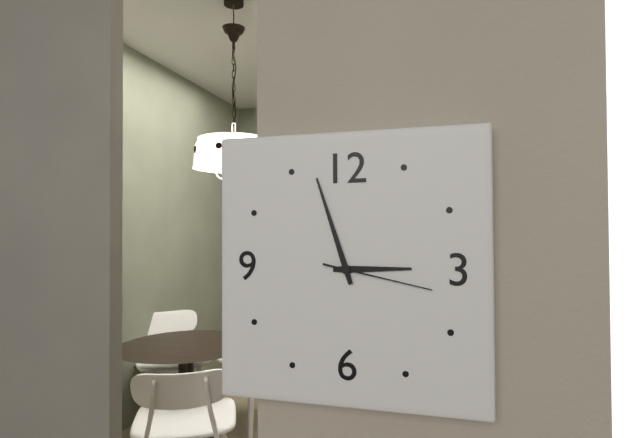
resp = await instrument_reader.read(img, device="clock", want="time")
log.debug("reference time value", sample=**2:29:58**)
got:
**2:57:17**
